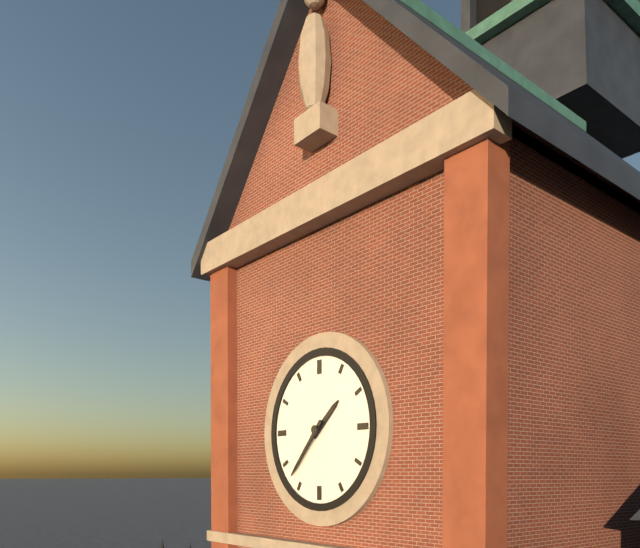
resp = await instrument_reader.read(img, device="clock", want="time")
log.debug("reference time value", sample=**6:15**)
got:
**1:37**
